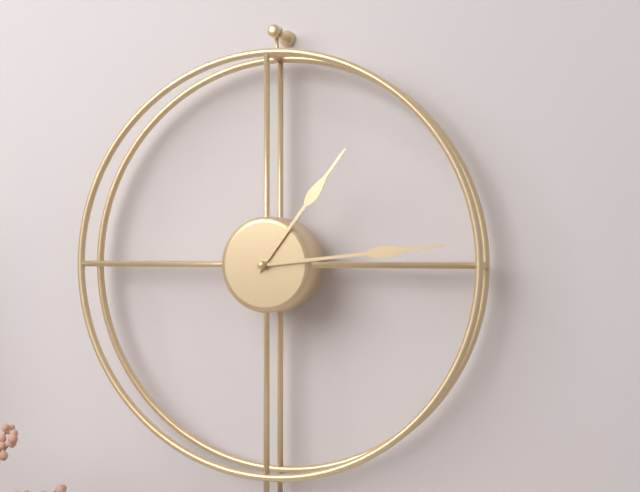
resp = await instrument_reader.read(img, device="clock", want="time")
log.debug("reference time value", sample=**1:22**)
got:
**1:14**
